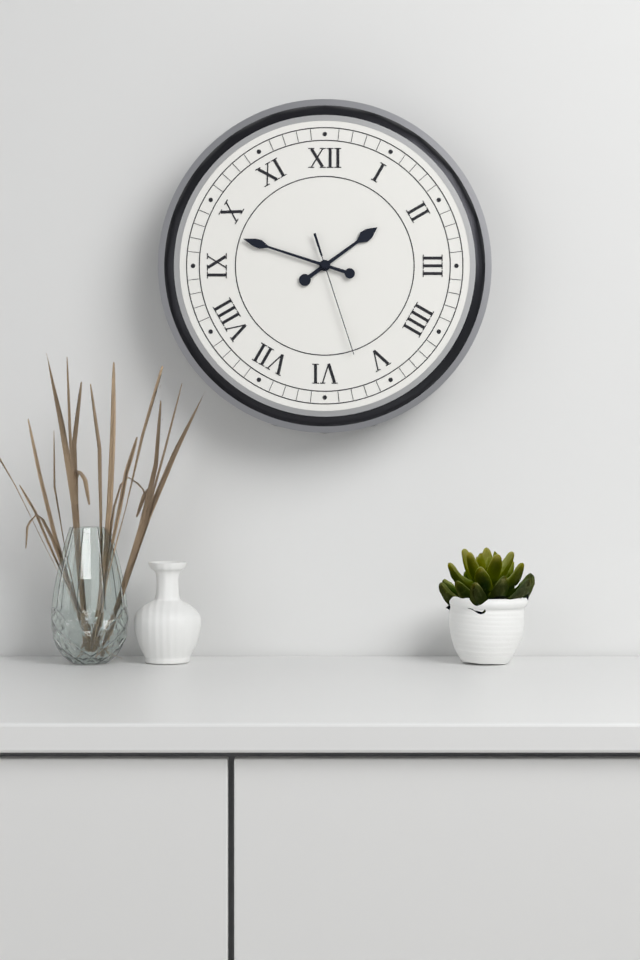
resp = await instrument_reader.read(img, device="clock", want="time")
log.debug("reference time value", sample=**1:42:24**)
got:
**1:48:27**
